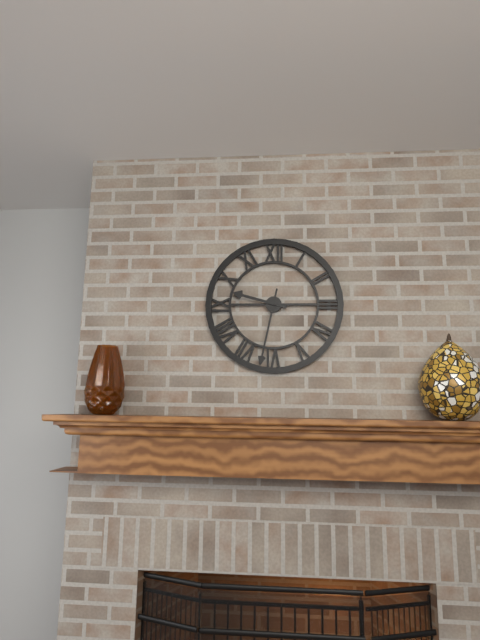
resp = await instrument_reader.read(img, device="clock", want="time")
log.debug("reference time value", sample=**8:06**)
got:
**9:32**
